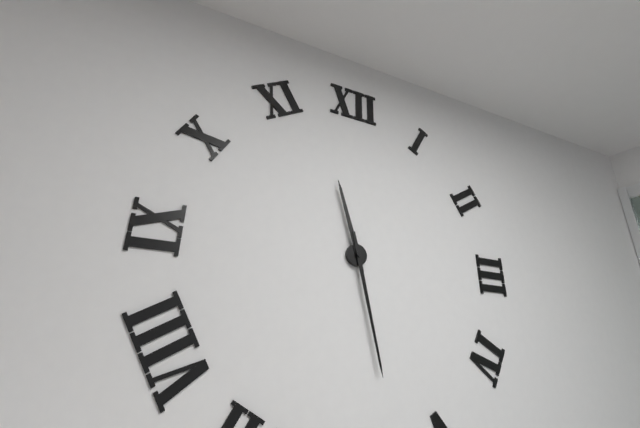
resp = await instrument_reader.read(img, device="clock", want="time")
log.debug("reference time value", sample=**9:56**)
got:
**11:28**
